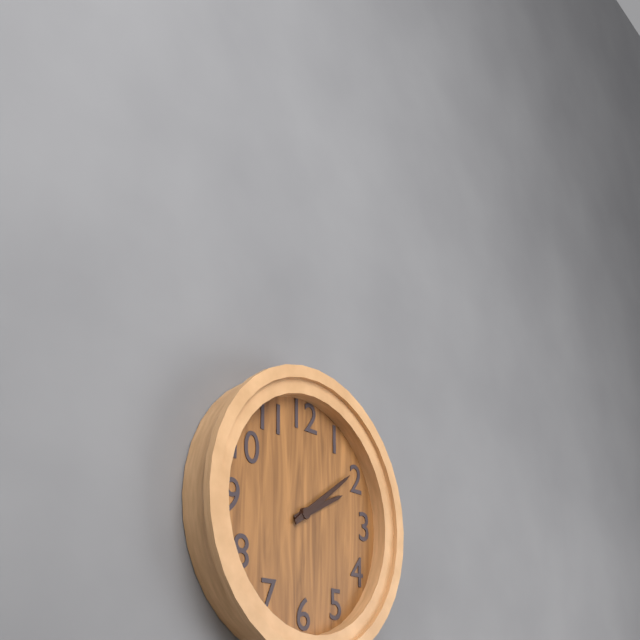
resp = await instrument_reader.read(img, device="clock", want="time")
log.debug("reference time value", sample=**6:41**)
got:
**2:09**
